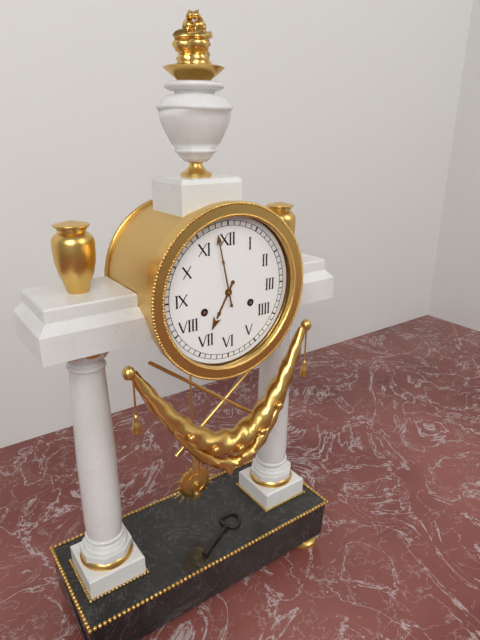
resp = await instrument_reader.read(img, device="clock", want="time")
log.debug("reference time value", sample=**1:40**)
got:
**6:58**
